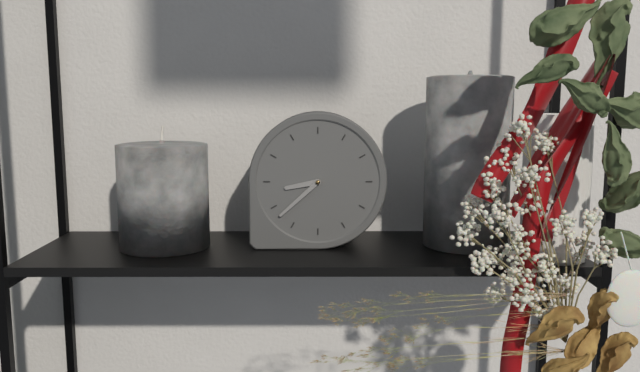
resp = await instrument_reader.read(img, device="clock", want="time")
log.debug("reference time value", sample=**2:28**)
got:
**8:38**
